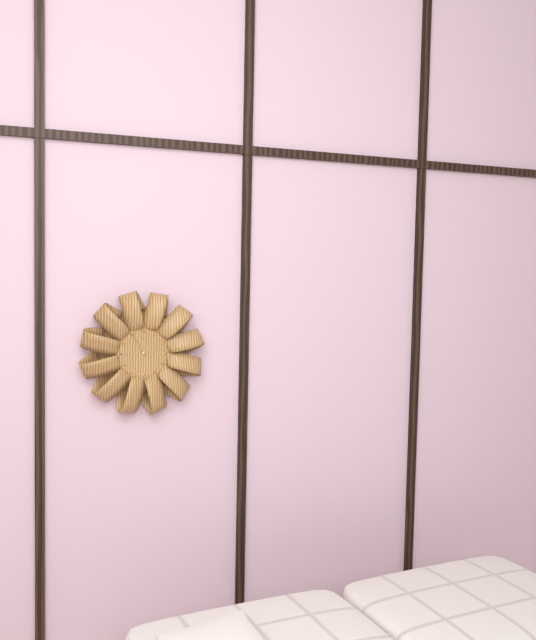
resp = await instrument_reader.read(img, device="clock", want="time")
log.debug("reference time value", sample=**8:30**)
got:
**11:55**
